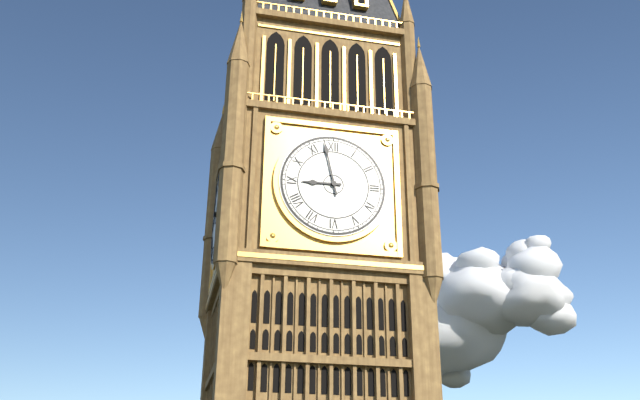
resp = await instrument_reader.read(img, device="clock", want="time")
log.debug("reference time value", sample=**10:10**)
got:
**8:58**
